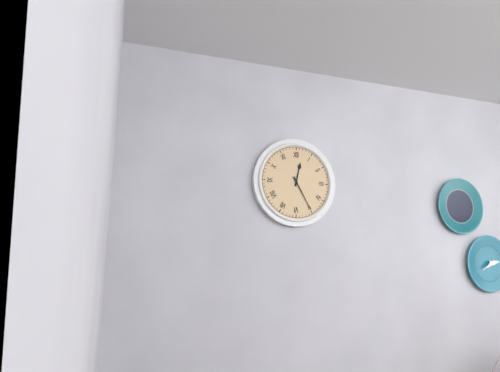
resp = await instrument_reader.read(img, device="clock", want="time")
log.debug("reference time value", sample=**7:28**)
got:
**12:25**
